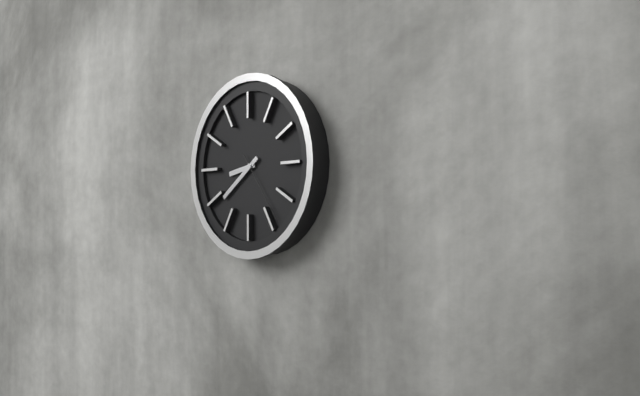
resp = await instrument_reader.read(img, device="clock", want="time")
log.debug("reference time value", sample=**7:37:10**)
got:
**8:39:24**
